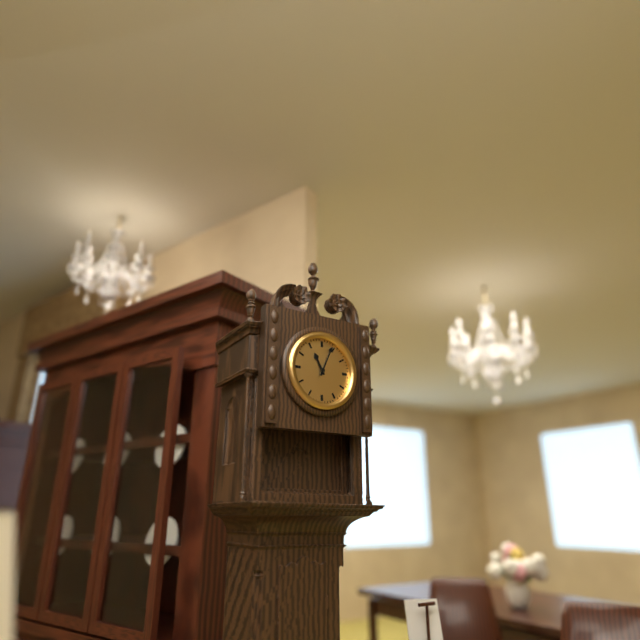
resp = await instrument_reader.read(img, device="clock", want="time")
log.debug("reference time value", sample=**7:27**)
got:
**11:04**
